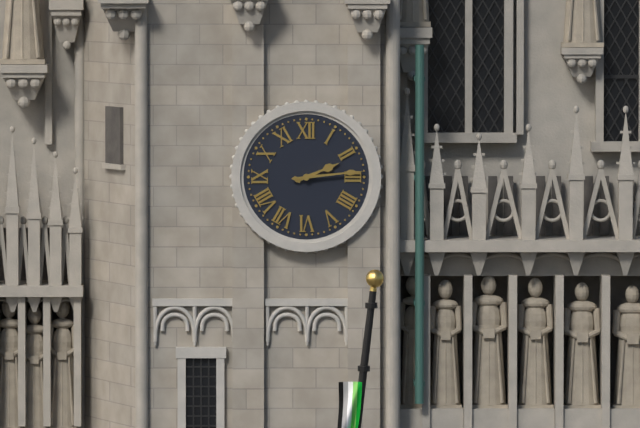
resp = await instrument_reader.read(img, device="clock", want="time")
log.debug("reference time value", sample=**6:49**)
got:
**2:14**
